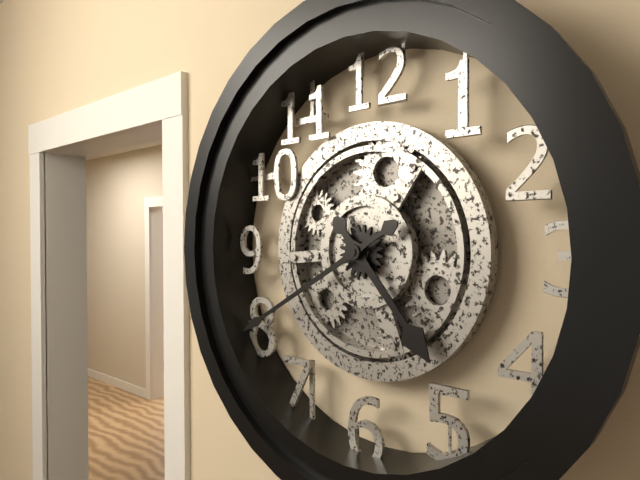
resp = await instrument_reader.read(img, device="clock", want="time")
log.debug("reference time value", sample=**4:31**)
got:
**4:40**
